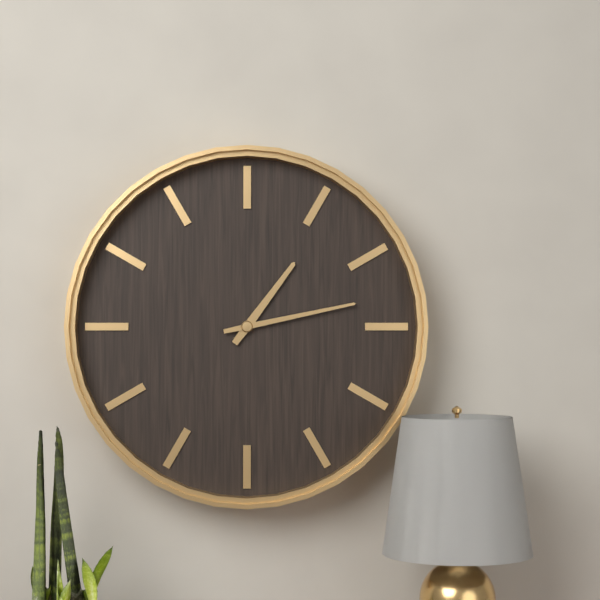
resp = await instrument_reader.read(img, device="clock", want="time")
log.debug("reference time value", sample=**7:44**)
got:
**1:13**
